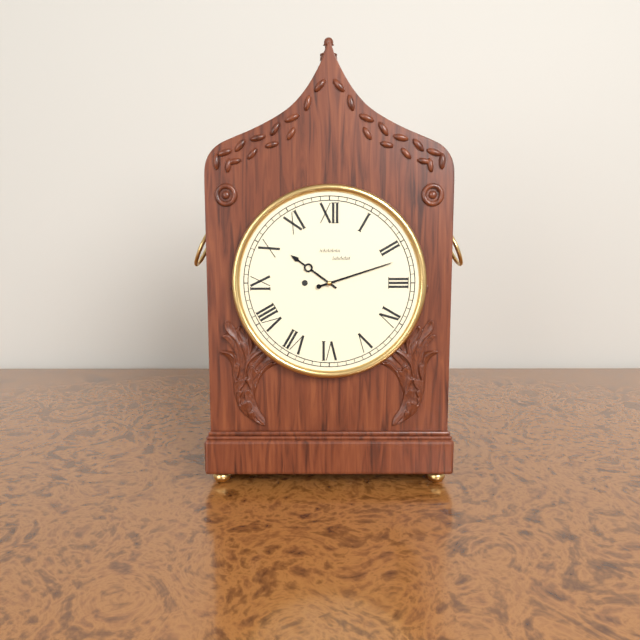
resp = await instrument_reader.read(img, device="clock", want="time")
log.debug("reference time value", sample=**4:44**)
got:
**10:12**
